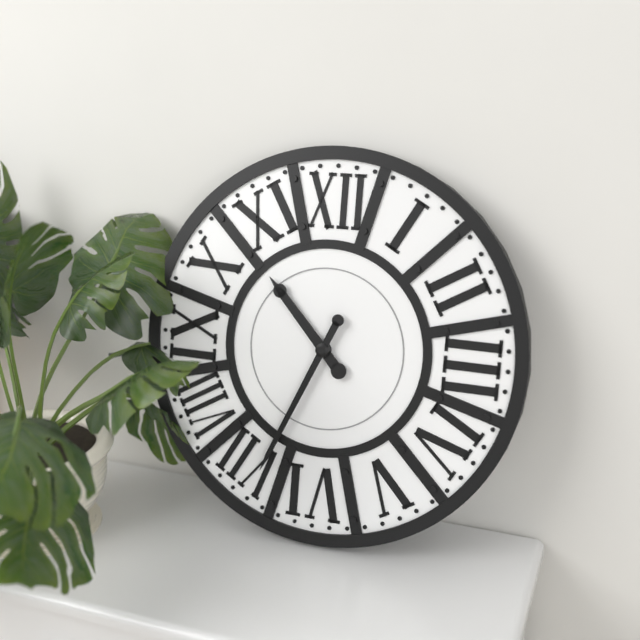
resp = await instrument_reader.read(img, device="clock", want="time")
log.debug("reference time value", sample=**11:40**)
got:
**10:34**
